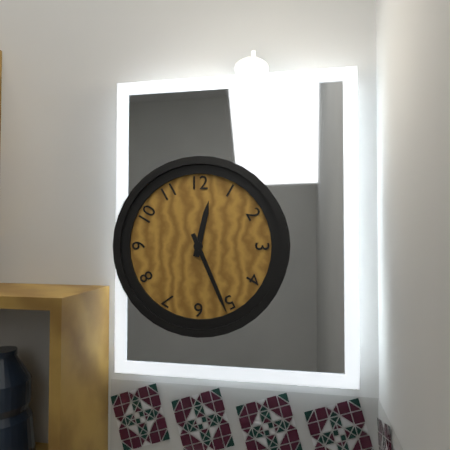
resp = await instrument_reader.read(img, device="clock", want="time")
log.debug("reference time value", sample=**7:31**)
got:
**12:26**
